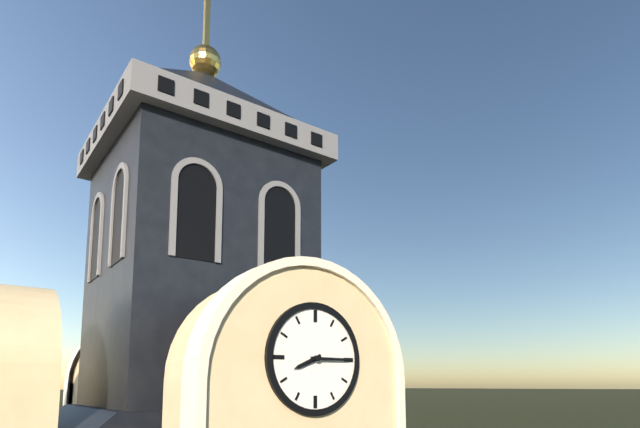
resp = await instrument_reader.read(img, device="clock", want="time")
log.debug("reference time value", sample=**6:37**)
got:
**8:15**
